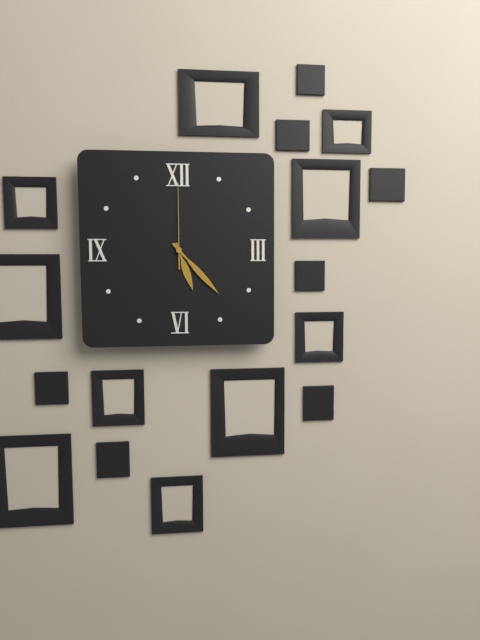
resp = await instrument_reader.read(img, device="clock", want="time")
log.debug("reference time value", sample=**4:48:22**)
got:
**5:23:00**
